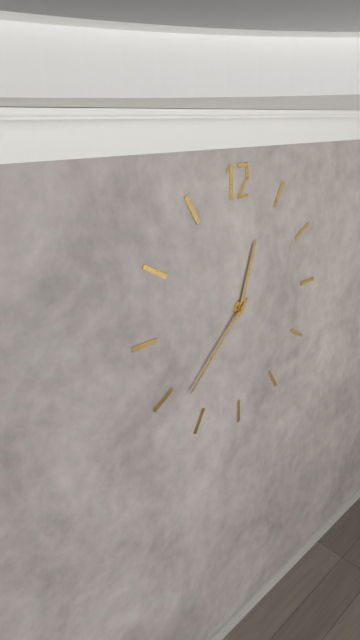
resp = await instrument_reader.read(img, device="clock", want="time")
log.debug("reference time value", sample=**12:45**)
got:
**12:38**
